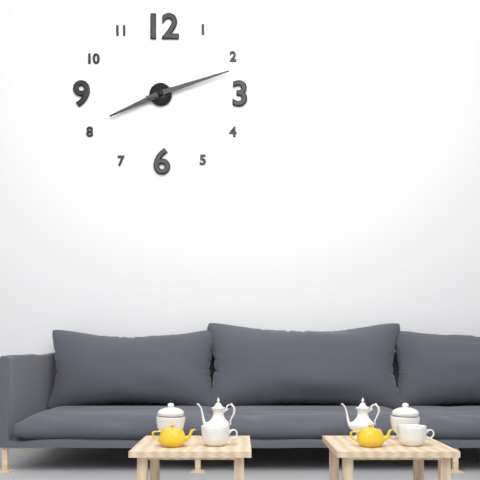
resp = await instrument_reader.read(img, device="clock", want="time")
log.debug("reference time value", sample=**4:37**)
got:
**8:12**
